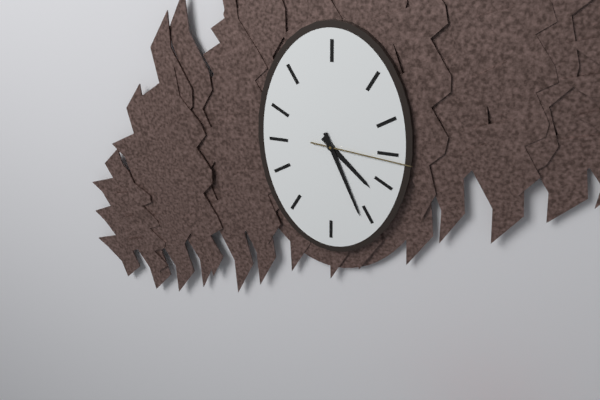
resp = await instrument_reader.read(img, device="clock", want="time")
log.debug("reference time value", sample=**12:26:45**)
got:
**4:26:16**
